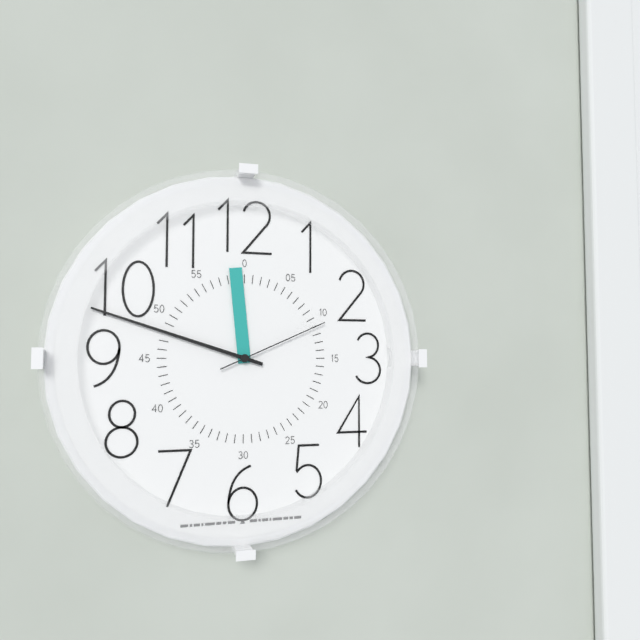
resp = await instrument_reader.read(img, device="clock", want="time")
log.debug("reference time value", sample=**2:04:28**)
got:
**11:48:11**
